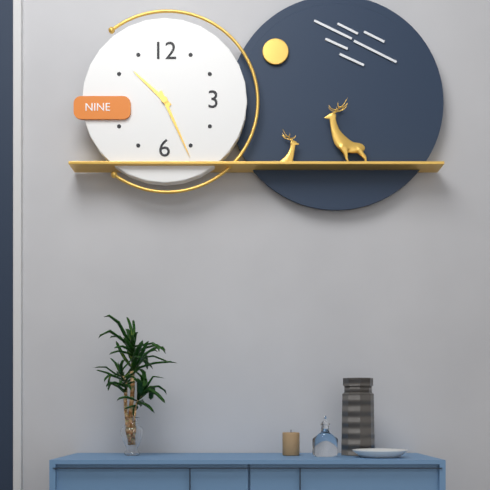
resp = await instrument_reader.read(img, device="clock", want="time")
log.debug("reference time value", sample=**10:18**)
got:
**10:26**
